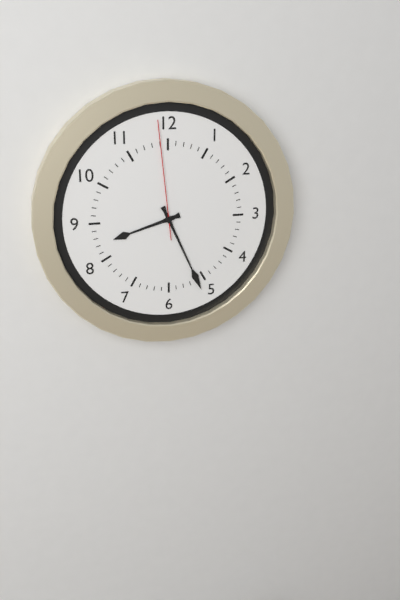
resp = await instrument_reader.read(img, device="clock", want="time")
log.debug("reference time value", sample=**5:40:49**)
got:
**8:26:59**
